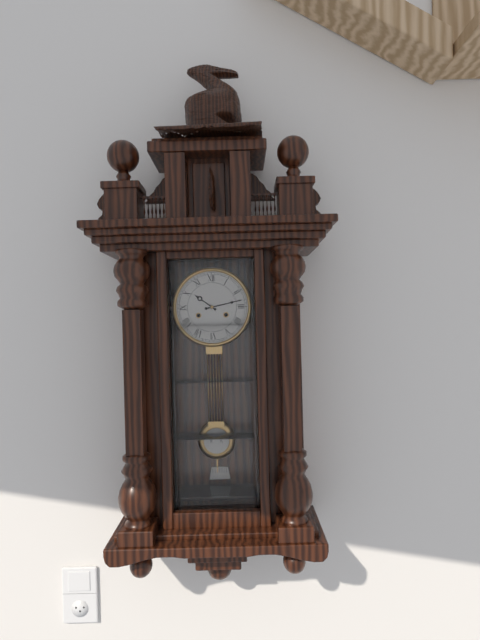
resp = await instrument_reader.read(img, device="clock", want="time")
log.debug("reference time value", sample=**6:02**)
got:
**10:13**
